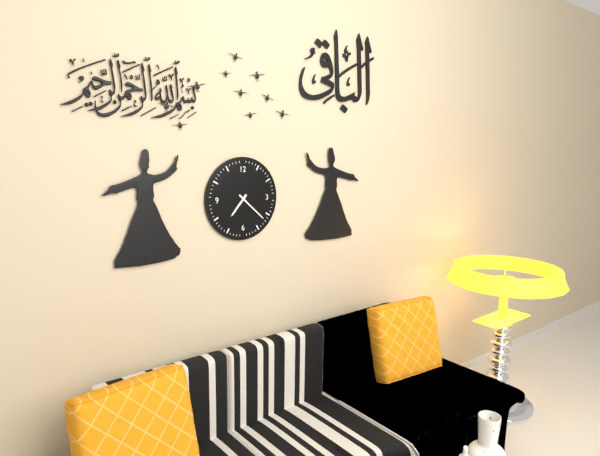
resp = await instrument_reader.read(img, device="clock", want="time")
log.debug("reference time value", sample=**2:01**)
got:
**7:22**
